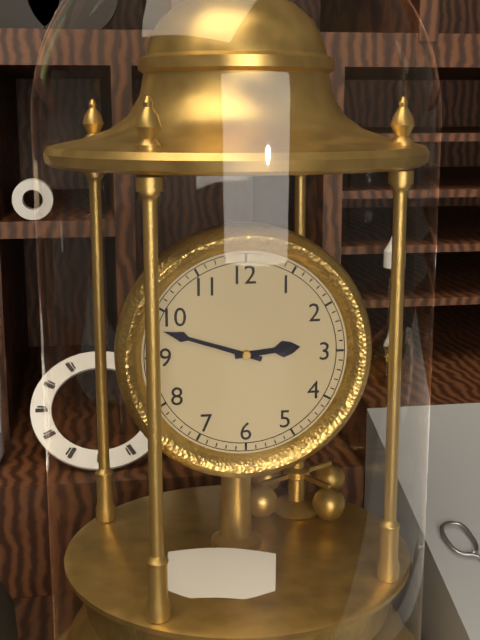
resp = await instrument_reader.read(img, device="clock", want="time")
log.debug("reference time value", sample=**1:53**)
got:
**2:48**
